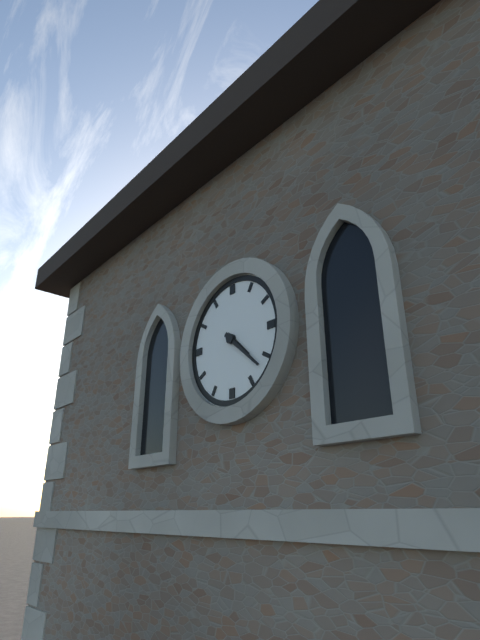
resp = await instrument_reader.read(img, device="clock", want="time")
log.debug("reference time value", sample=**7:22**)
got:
**4:22**
